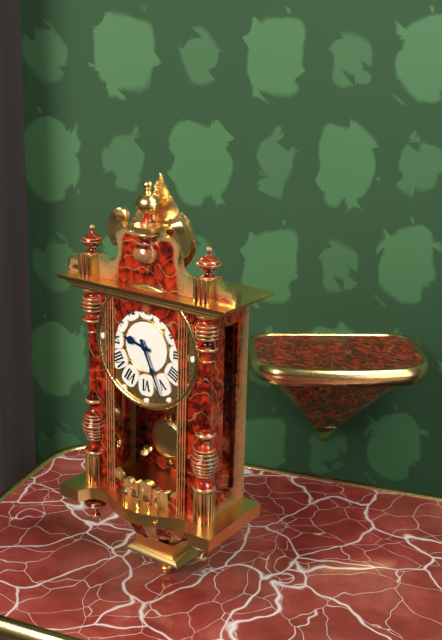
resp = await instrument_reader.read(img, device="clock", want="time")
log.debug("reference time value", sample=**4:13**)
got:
**9:26**
